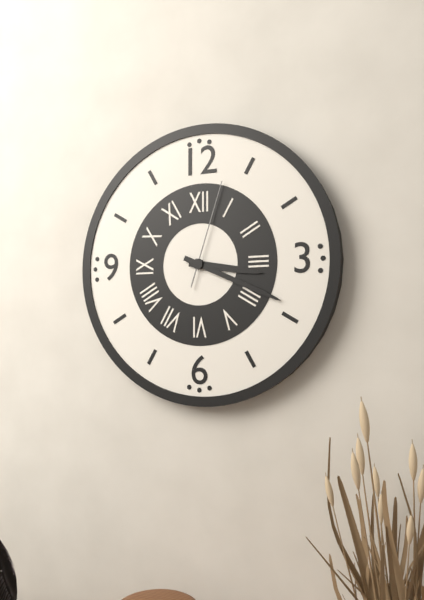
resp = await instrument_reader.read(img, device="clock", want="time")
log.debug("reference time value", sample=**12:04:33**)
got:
**3:19:03**
